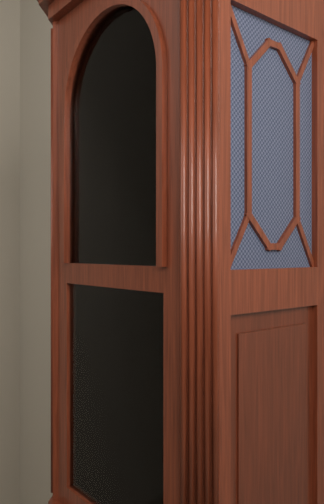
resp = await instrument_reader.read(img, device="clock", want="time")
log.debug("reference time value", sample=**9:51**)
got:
**11:30**
